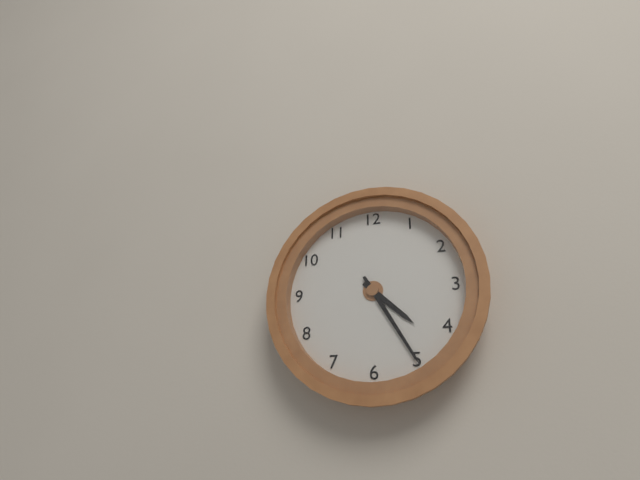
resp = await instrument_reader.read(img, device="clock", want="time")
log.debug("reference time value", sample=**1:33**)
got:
**4:25**
